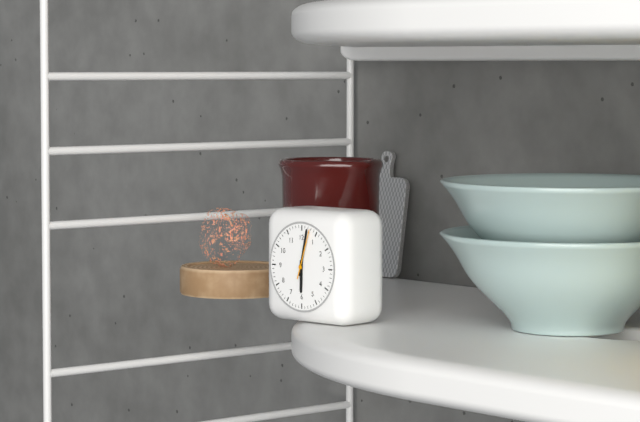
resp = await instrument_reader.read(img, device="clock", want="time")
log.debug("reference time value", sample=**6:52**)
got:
**6:02**
